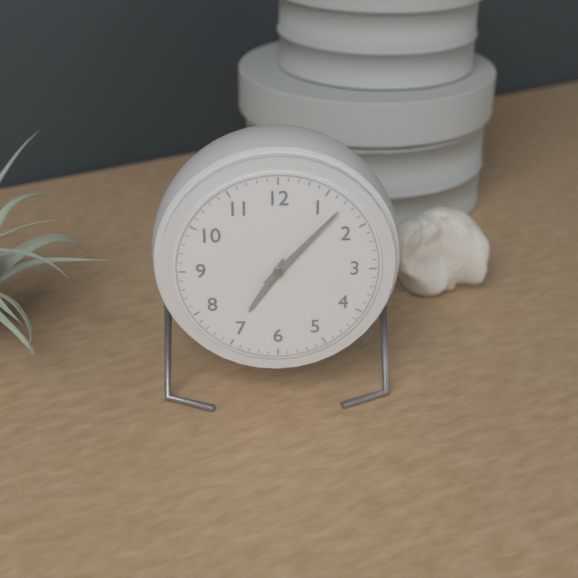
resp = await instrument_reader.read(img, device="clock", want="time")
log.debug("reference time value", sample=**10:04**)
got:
**7:07**
